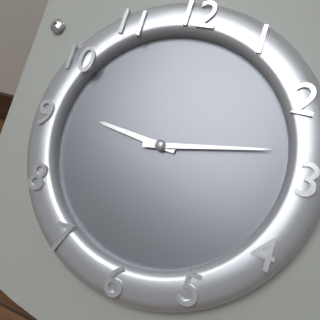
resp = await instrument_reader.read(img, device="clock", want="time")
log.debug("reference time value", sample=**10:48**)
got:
**9:13**
